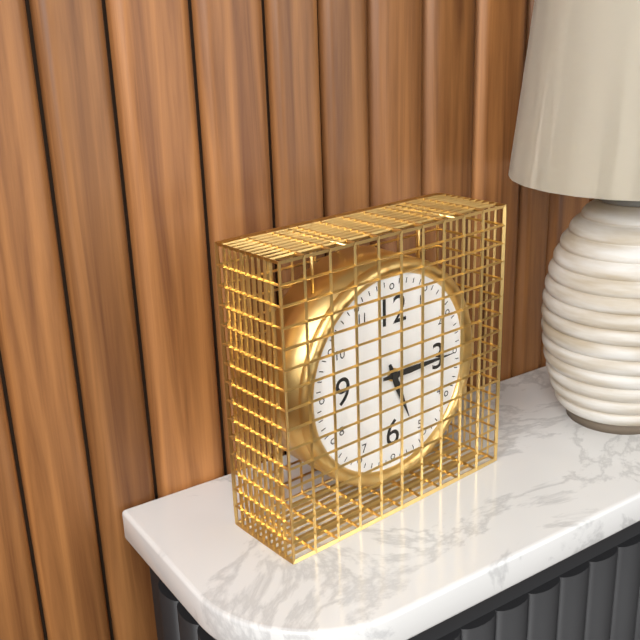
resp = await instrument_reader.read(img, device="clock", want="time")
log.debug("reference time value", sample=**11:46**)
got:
**5:15**
